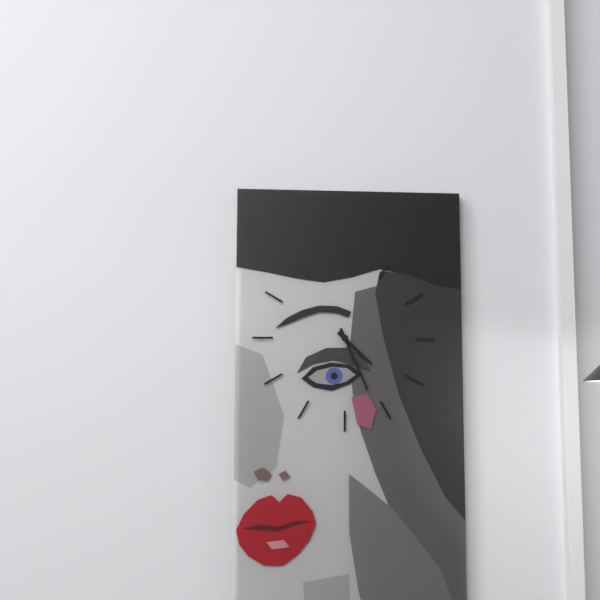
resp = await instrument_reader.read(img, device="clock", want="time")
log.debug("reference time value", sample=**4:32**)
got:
**4:26**
